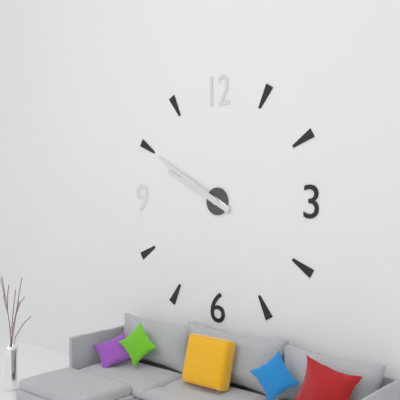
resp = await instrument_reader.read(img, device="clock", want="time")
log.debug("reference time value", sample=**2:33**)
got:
**9:50**
